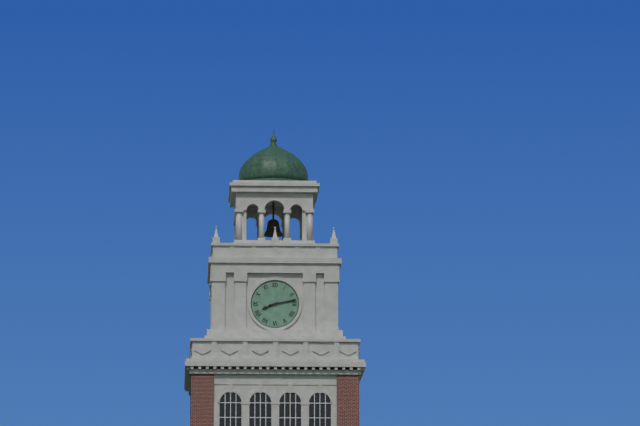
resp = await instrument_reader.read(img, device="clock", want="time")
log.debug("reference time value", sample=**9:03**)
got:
**8:13**
